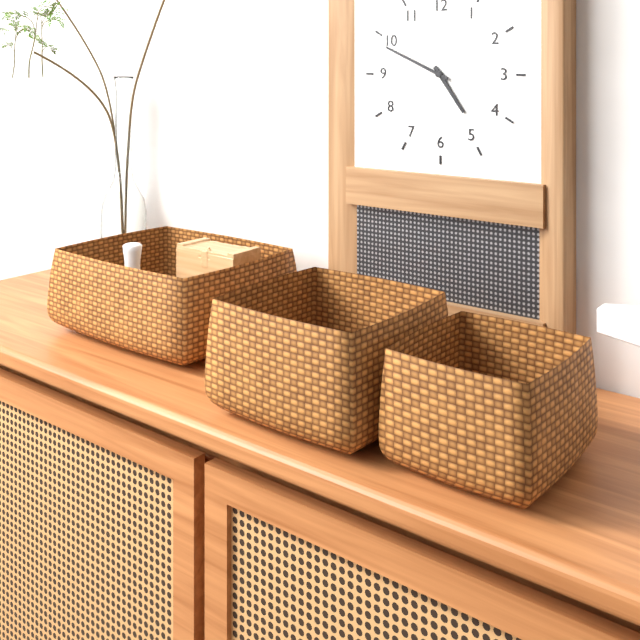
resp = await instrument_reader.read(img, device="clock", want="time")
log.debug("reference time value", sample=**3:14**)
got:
**4:49**
